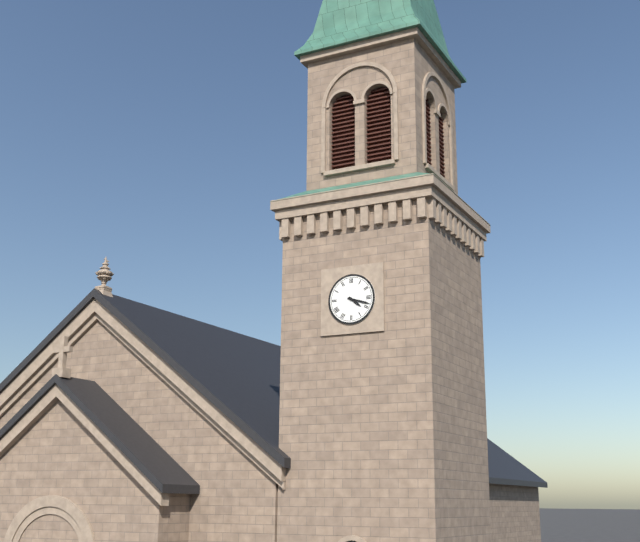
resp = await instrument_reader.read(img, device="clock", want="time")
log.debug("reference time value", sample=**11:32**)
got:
**4:18**
